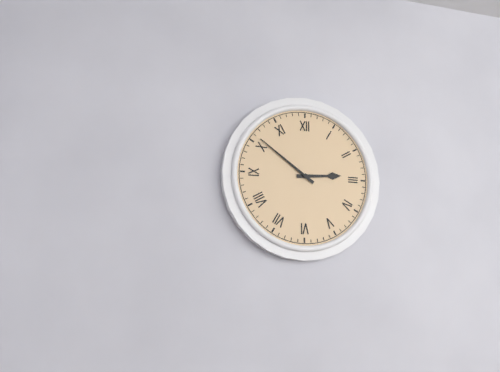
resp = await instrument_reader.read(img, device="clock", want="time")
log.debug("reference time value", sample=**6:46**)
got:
**2:51**
